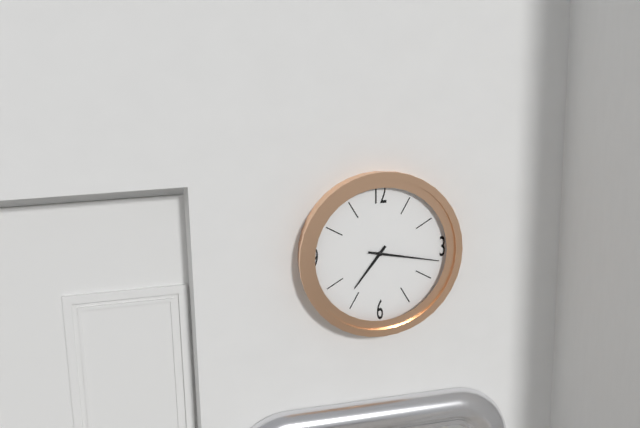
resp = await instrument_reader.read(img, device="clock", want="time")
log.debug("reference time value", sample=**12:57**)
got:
**7:17**
